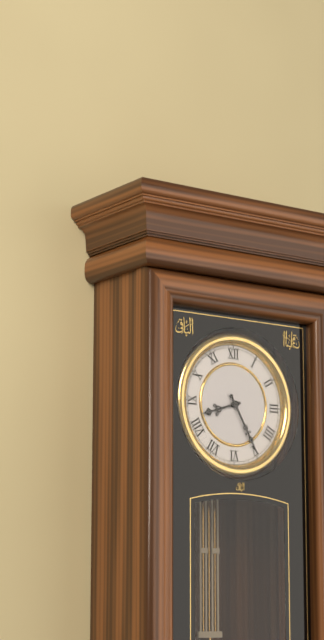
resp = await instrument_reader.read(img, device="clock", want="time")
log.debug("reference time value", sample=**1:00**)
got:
**8:25**
